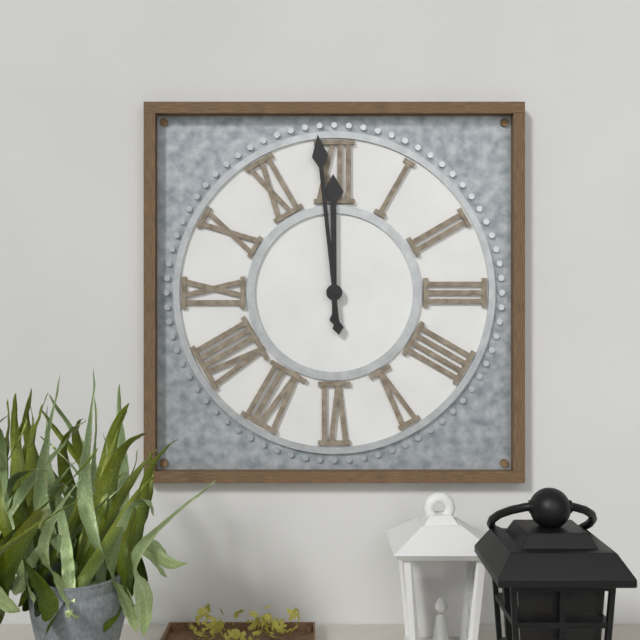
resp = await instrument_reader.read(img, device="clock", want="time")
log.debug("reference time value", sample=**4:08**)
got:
**11:59**
